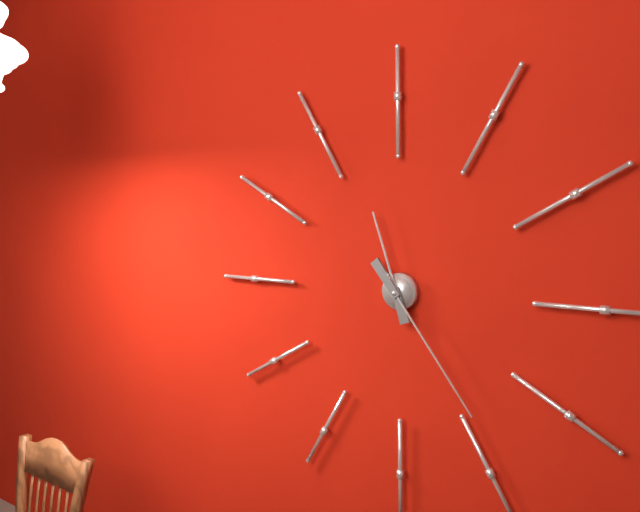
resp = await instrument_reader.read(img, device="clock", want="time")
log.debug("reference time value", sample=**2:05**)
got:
**11:24**
